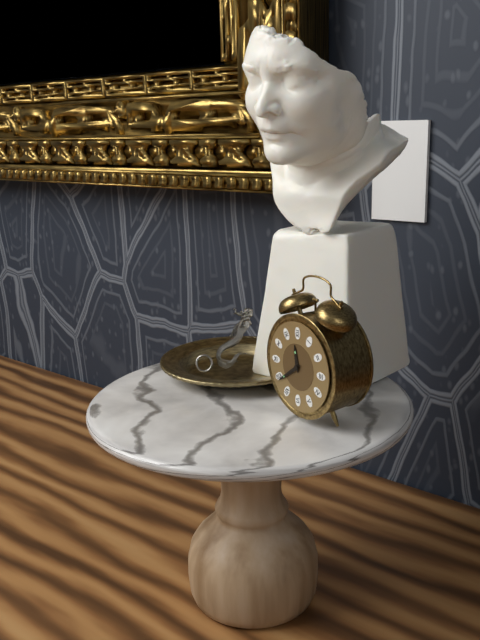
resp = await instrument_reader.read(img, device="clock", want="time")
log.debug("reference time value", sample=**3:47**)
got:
**11:39**
